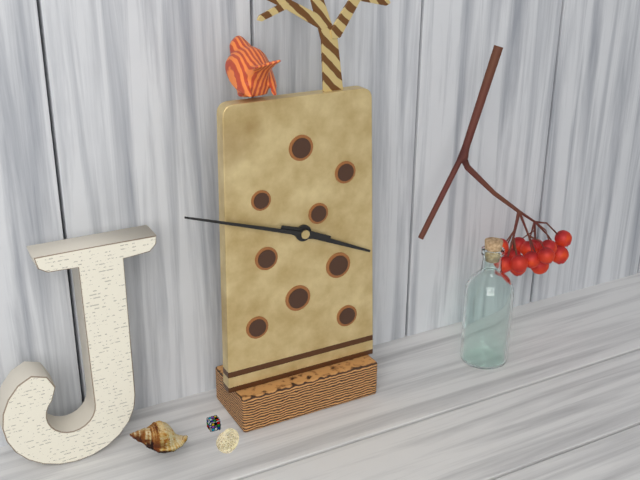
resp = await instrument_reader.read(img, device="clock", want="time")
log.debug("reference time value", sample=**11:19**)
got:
**3:48**
